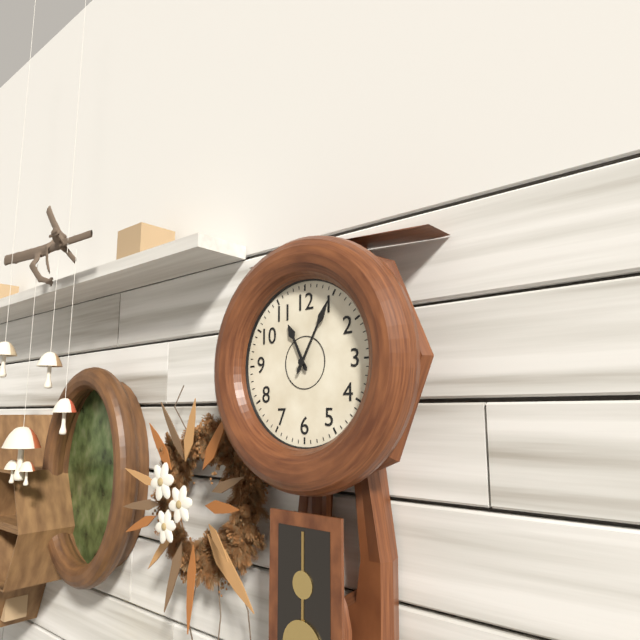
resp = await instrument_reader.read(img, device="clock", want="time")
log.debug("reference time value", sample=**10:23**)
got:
**11:05**
